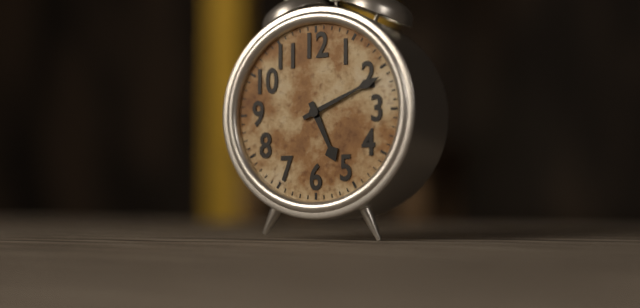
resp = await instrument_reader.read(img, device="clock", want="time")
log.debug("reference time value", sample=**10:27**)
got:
**5:11**
